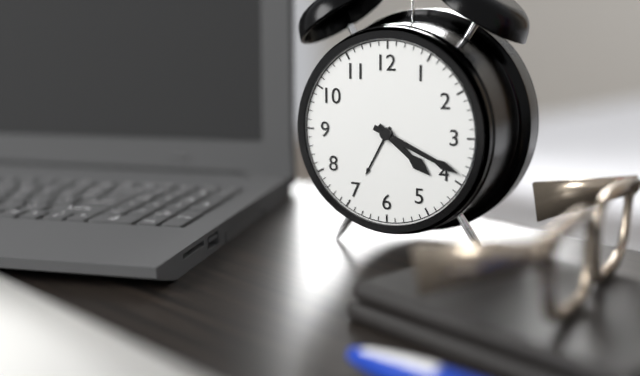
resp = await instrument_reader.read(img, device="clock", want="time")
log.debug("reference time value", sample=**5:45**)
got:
**4:19**
